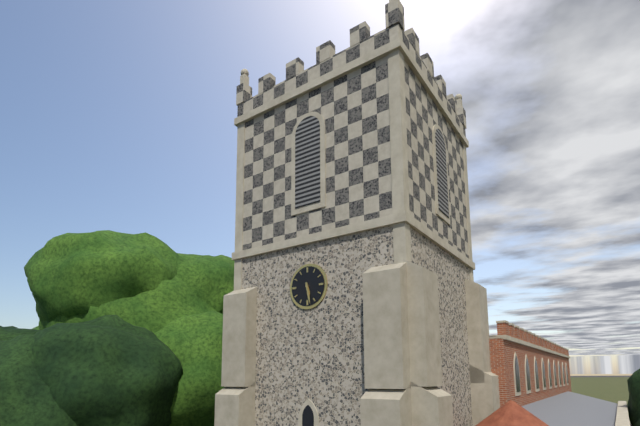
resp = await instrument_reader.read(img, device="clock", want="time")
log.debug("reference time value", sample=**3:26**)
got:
**5:28**
